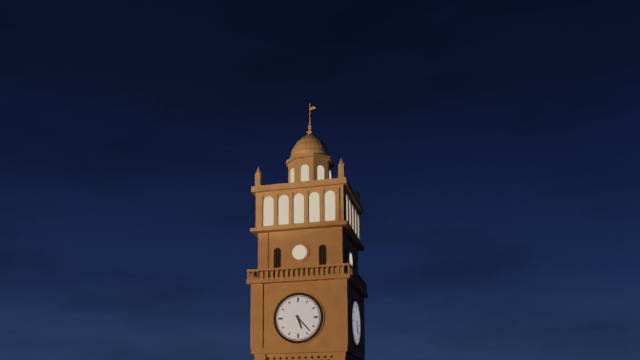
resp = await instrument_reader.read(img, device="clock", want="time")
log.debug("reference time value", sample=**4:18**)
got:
**5:23**
